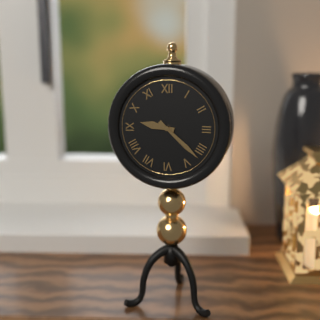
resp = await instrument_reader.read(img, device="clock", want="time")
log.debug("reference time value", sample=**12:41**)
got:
**9:22**
